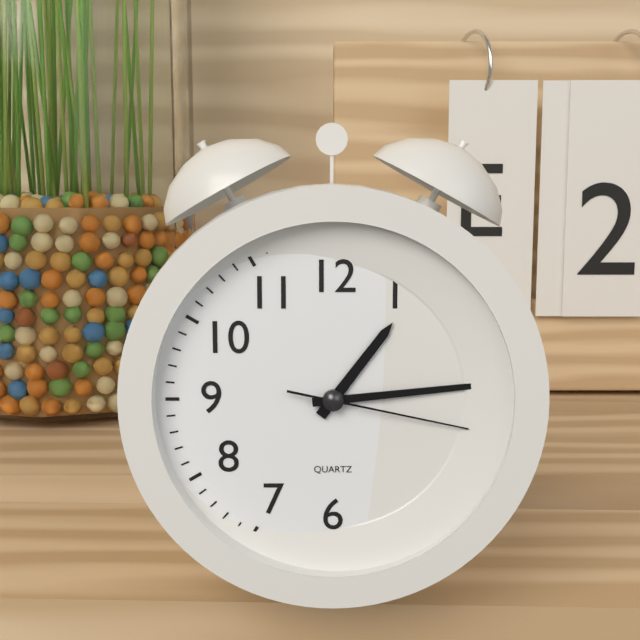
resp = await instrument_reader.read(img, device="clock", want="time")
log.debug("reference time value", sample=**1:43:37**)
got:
**1:14:17**
